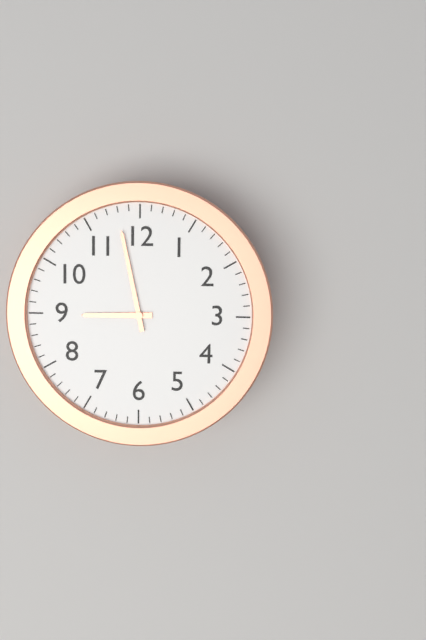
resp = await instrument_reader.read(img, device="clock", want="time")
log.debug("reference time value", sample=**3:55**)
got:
**8:58**
